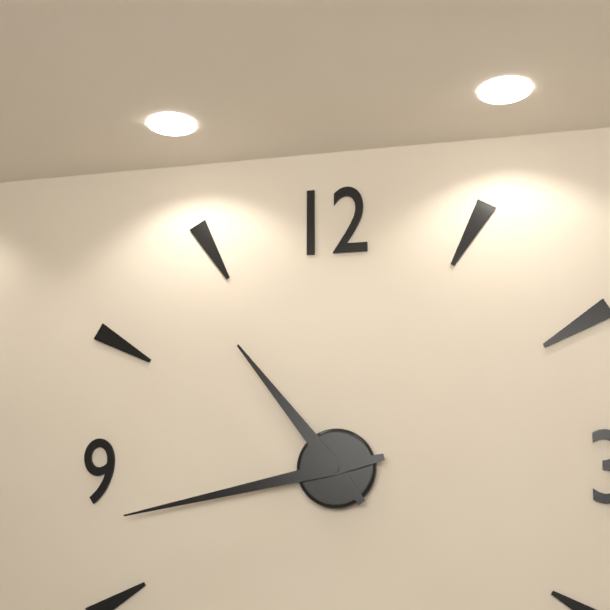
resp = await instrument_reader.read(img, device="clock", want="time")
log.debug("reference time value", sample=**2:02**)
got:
**10:43**
